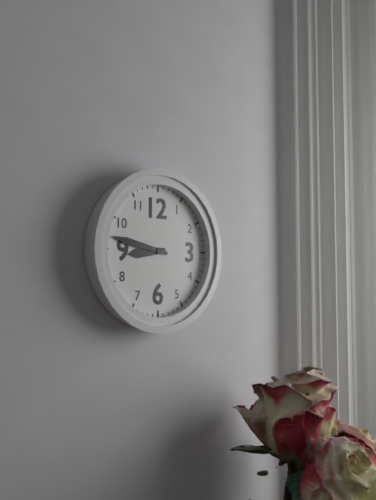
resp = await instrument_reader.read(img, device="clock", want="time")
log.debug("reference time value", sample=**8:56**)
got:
**8:47**
